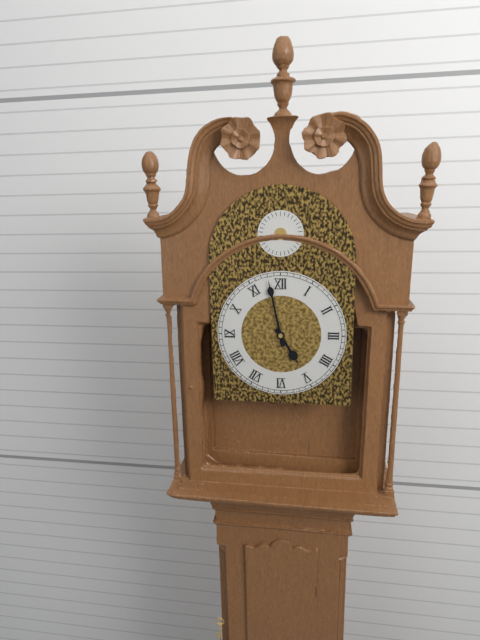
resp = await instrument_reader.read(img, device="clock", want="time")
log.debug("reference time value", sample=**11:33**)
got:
**4:58**
